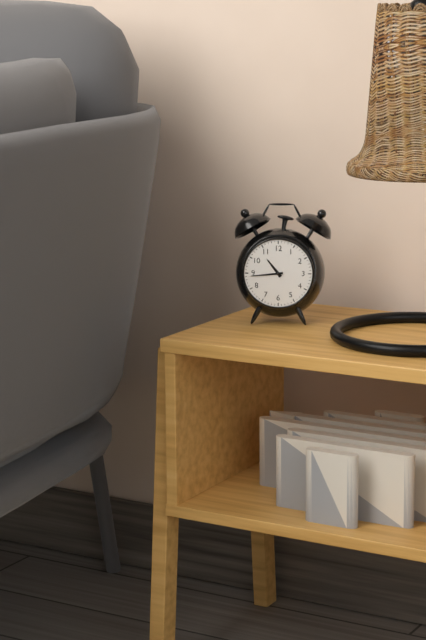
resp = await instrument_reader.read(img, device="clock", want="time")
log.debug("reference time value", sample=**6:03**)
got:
**10:44**
